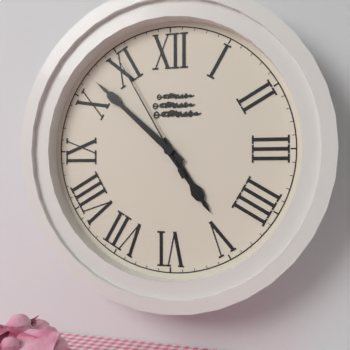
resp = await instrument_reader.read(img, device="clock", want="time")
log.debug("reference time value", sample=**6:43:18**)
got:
**4:52:55**
